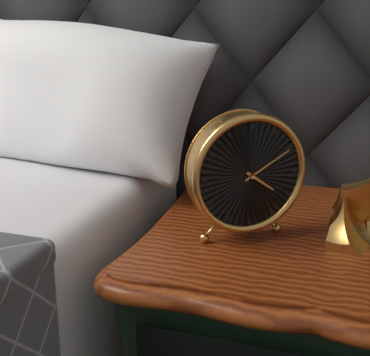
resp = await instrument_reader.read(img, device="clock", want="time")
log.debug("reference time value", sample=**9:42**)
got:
**4:10**
